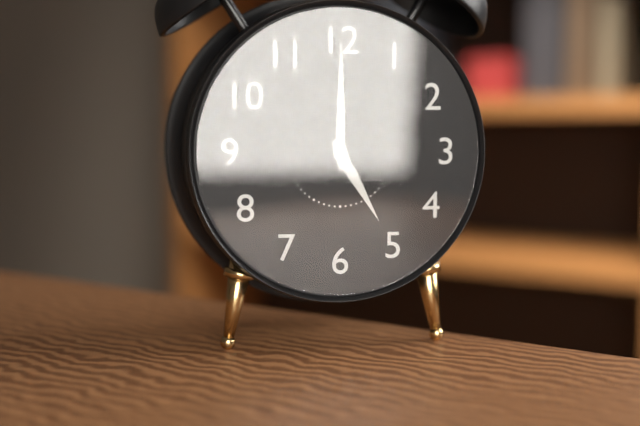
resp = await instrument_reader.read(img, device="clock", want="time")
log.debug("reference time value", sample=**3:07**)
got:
**5:00**
